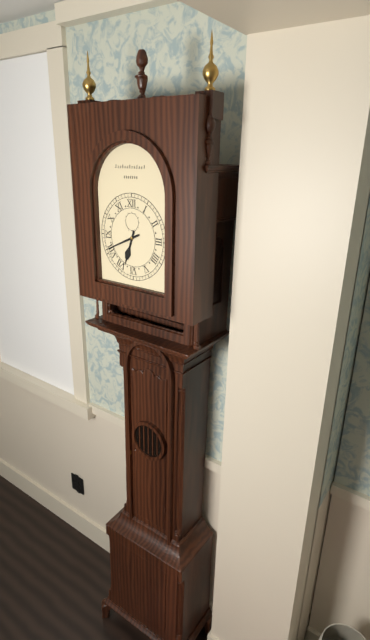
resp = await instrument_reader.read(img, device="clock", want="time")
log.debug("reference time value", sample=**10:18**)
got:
**6:41**
